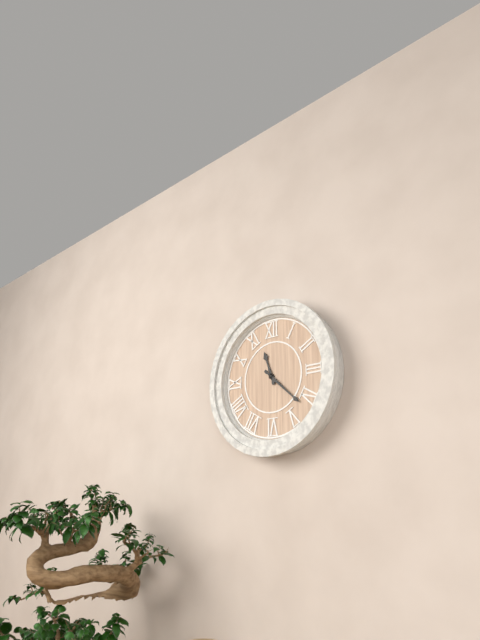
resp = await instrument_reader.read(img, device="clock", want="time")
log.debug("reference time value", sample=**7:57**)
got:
**11:22**
